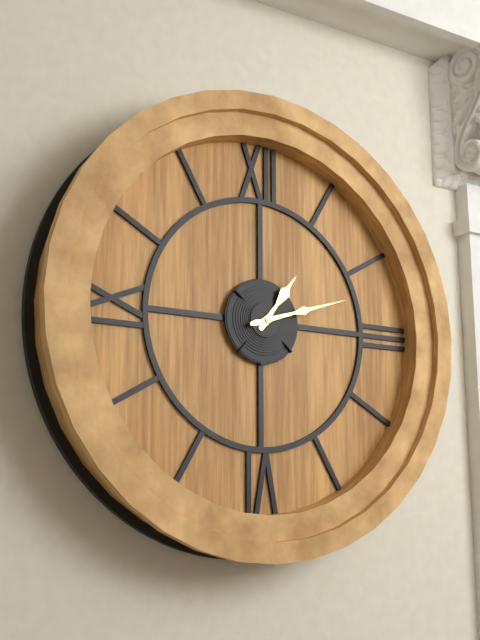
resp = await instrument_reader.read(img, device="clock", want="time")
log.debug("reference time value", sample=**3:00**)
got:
**1:12**
